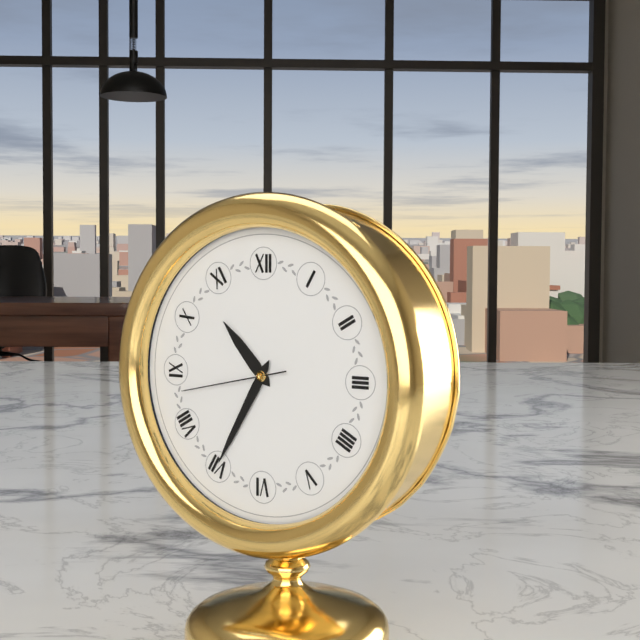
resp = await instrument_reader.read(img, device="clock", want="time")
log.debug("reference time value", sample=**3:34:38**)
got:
**10:35:43**
